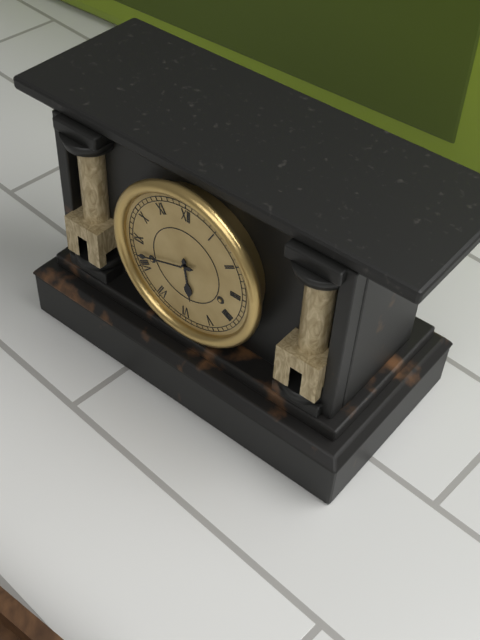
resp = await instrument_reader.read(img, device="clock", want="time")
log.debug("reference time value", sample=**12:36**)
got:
**5:42**
